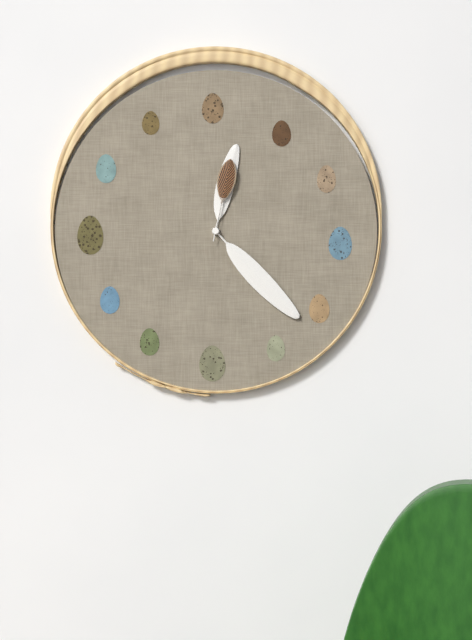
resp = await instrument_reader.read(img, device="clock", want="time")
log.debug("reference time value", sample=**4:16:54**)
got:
**12:23:02**
